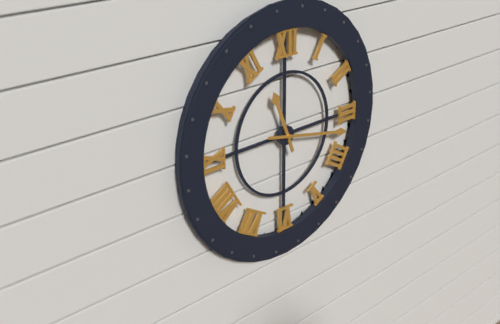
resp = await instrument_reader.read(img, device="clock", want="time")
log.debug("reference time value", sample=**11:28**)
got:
**11:17**
